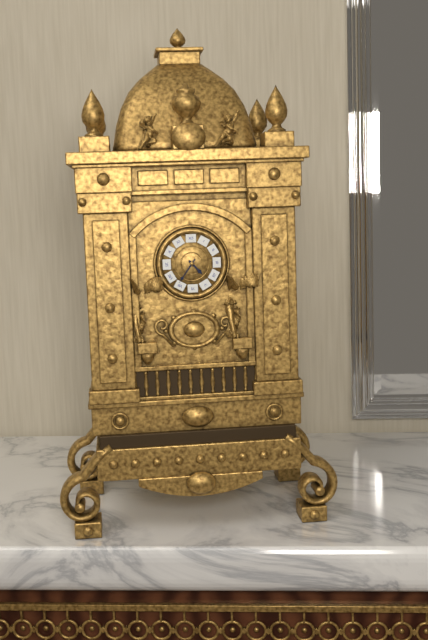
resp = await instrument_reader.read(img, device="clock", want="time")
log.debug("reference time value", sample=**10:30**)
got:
**4:36**
